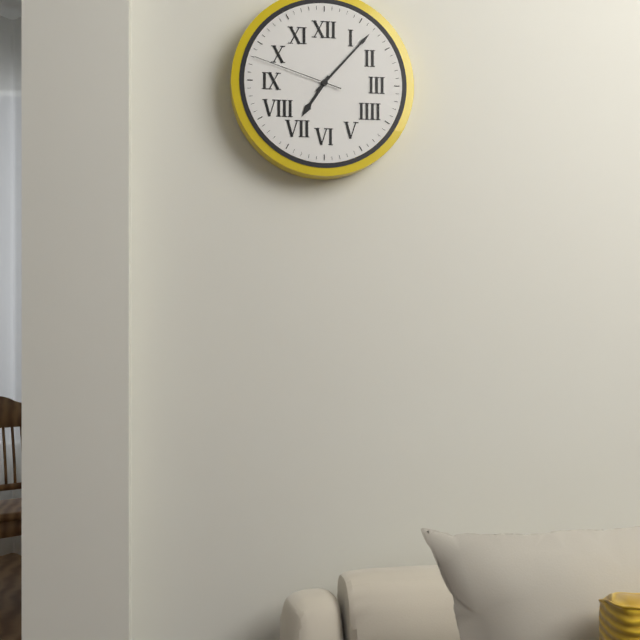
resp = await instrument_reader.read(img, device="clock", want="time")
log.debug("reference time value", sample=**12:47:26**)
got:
**7:07:48**
